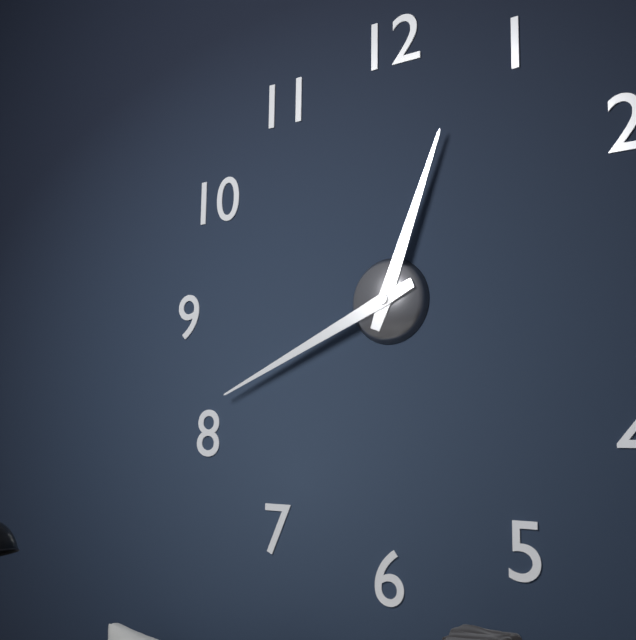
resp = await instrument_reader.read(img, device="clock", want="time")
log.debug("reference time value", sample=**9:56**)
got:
**12:41**
